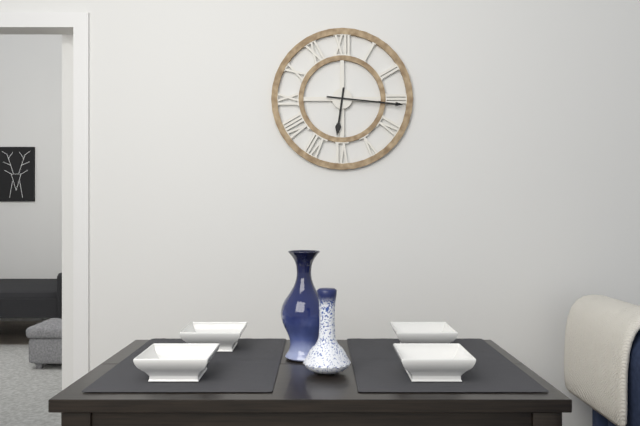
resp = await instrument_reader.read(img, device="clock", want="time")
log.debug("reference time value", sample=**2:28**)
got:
**6:16**
